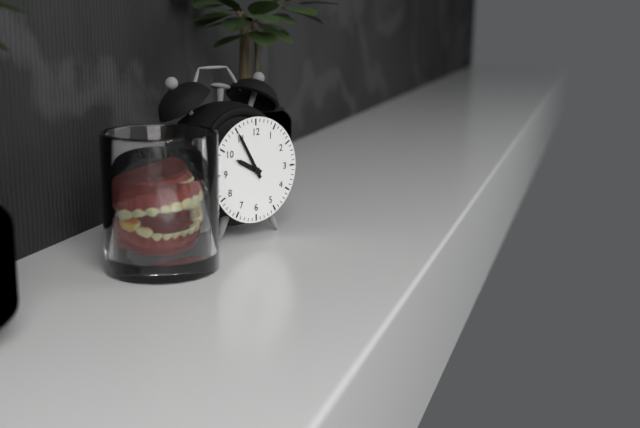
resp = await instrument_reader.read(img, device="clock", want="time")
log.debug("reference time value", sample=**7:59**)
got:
**9:55**
